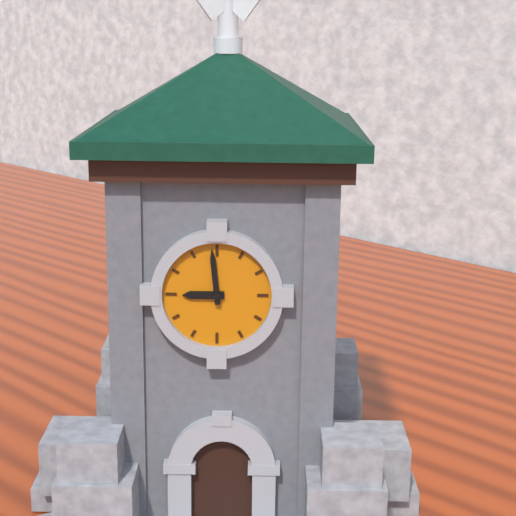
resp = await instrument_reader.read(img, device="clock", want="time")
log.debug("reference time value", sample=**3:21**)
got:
**8:59**
